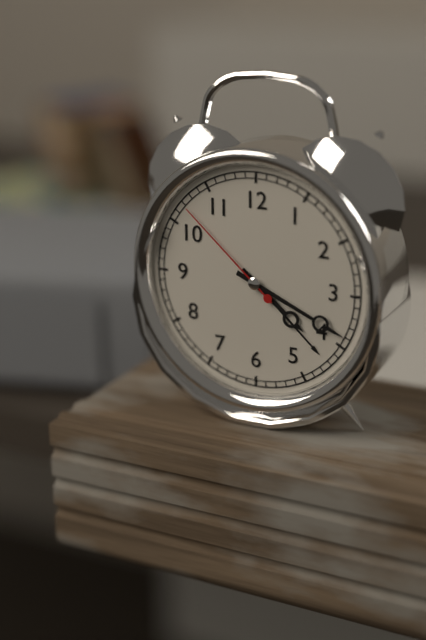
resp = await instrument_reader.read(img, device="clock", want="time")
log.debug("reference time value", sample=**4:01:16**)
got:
**4:19:52**
